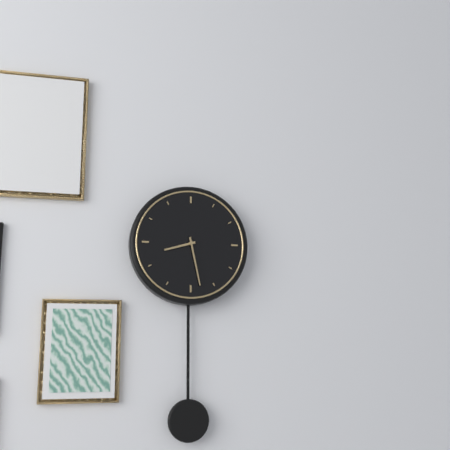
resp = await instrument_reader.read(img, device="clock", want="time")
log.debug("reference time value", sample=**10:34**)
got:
**8:28**
